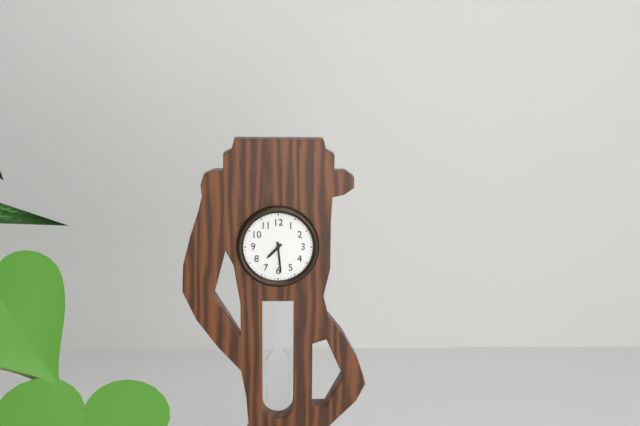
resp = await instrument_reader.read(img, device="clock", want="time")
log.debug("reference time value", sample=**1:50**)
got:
**7:29**
